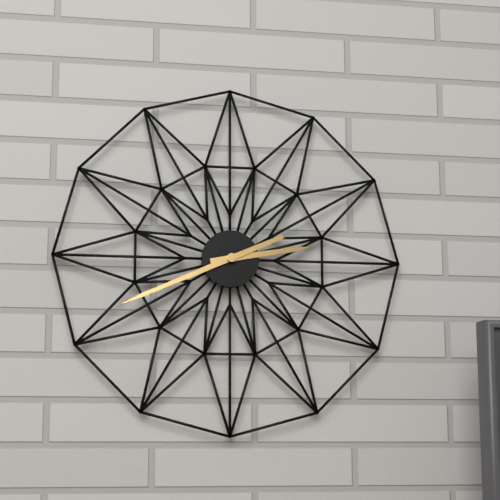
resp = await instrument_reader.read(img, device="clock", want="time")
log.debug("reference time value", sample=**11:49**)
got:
**2:41**
